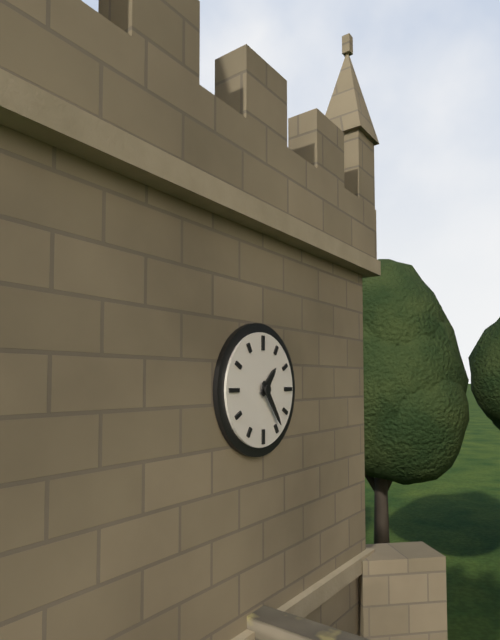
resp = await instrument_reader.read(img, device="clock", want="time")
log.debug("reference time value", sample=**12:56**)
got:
**1:24**
